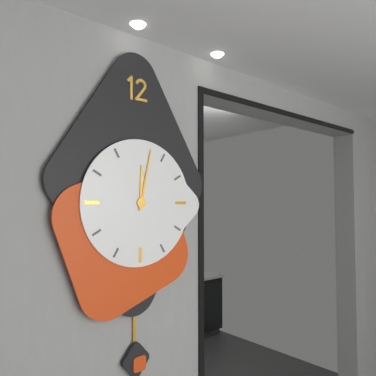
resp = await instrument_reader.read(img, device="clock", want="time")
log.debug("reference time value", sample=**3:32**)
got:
**12:02**
